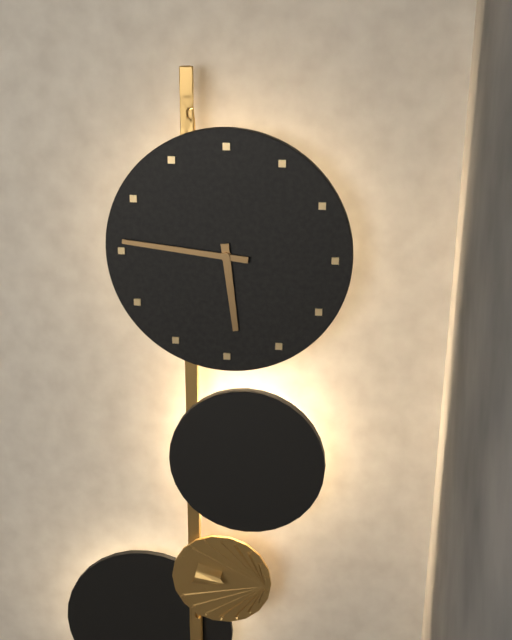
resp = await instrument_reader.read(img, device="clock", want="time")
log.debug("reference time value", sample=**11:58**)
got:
**5:46**
